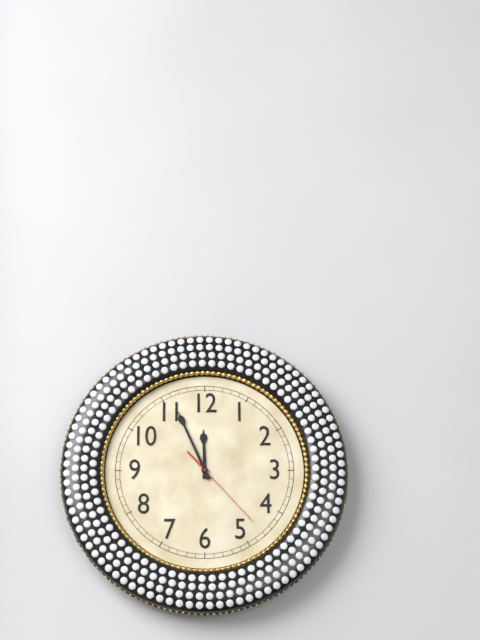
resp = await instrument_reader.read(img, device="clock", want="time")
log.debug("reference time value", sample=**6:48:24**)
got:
**11:56:23**
